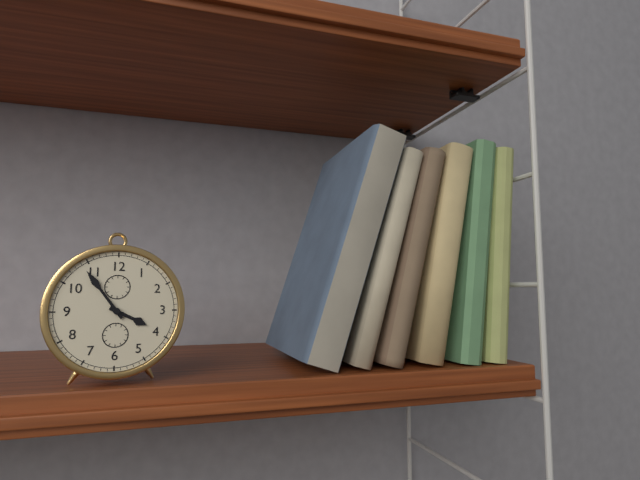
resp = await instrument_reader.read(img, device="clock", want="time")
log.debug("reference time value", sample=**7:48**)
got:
**3:54**
